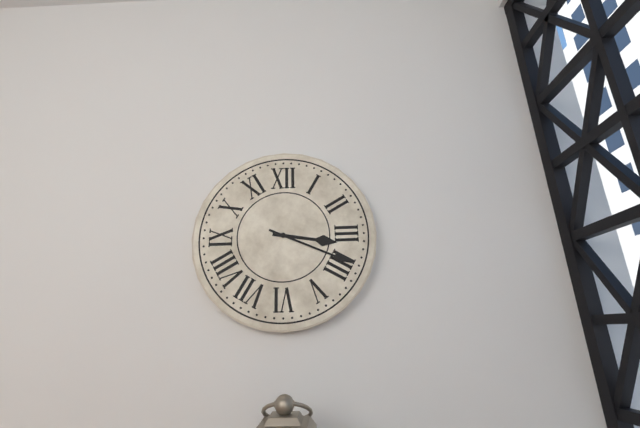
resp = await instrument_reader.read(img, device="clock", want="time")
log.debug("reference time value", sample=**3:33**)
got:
**3:19**
